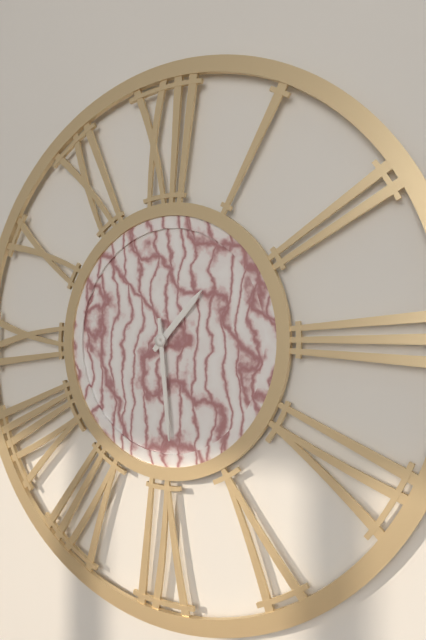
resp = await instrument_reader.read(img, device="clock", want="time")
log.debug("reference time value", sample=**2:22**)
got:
**1:29**
